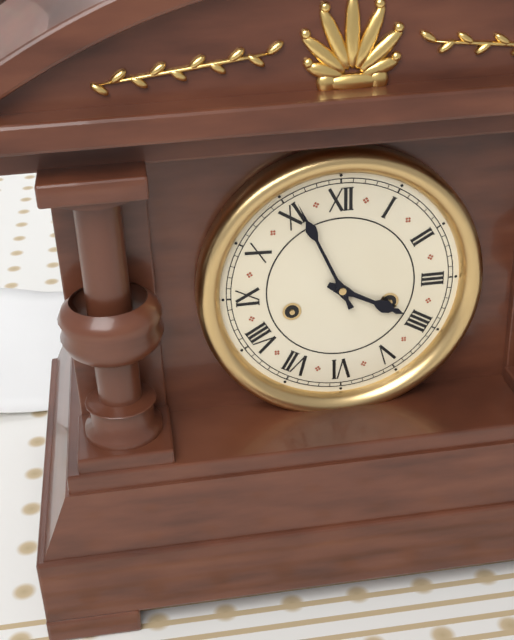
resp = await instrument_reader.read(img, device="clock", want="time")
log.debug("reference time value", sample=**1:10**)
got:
**3:56**
